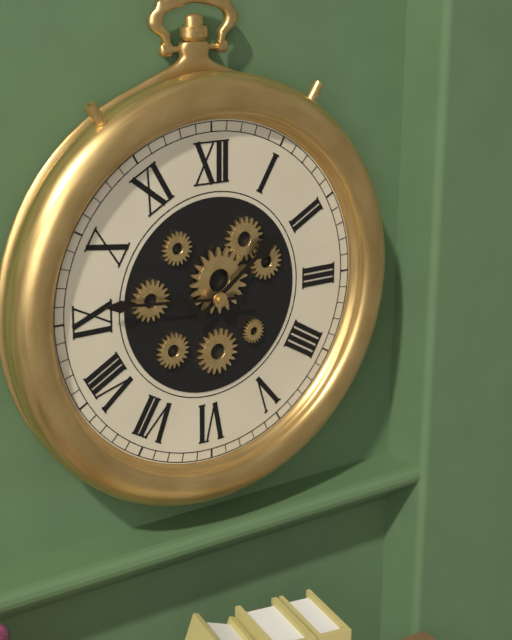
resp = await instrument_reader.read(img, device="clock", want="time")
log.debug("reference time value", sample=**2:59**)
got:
**1:46**
